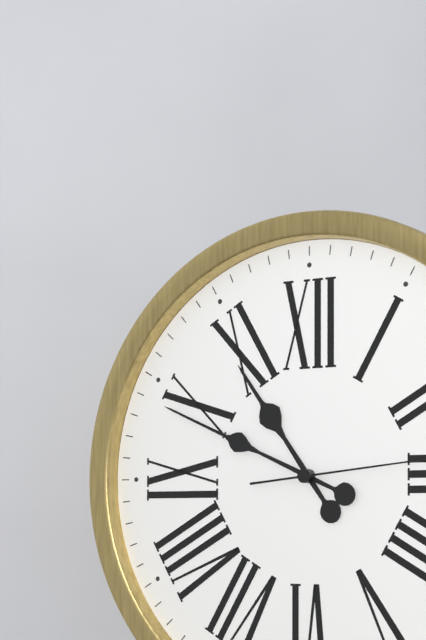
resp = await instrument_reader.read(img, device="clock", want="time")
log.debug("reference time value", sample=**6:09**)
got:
**10:49**
